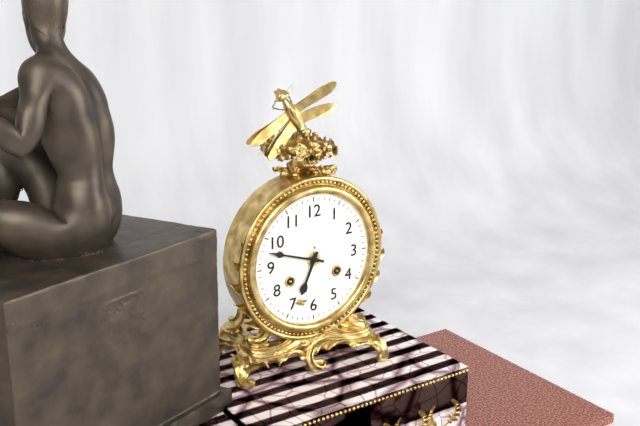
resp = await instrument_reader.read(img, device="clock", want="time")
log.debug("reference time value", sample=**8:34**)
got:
**6:48**
